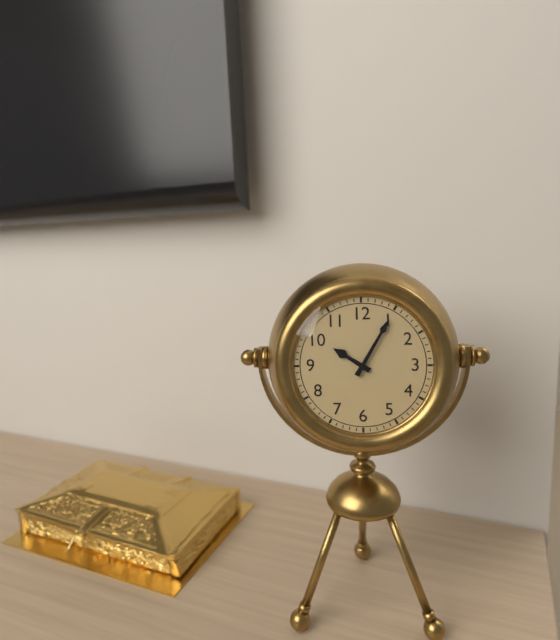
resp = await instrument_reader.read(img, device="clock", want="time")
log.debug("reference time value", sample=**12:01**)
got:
**10:05**
